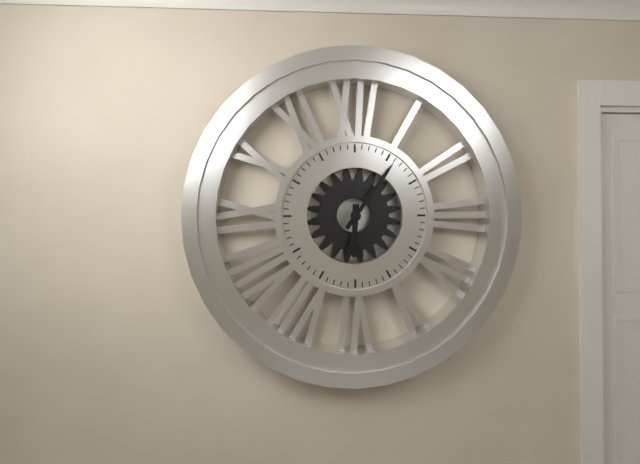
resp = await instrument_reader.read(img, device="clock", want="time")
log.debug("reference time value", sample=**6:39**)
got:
**6:06**
